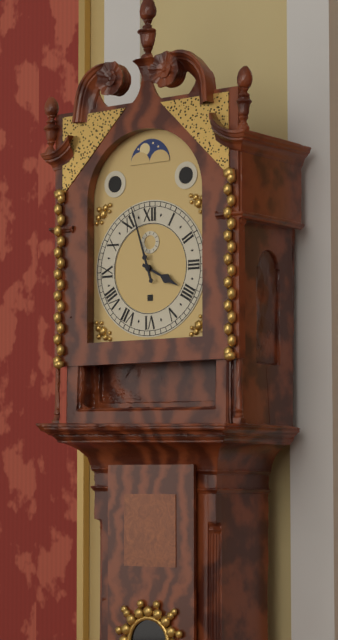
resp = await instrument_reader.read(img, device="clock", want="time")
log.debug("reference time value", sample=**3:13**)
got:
**3:57**
